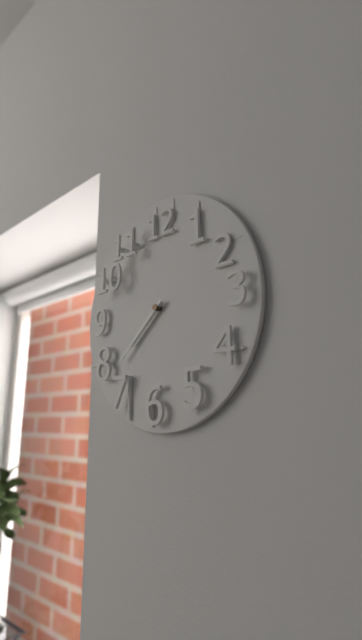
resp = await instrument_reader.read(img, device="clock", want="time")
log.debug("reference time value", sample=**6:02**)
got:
**7:38**
